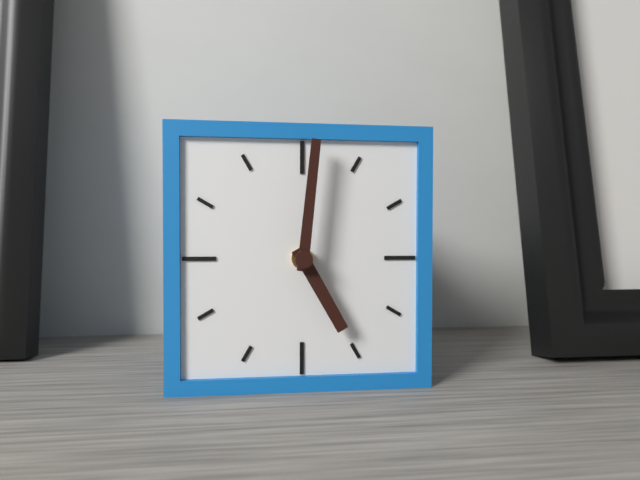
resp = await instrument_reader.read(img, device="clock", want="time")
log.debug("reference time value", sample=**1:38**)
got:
**5:01**
